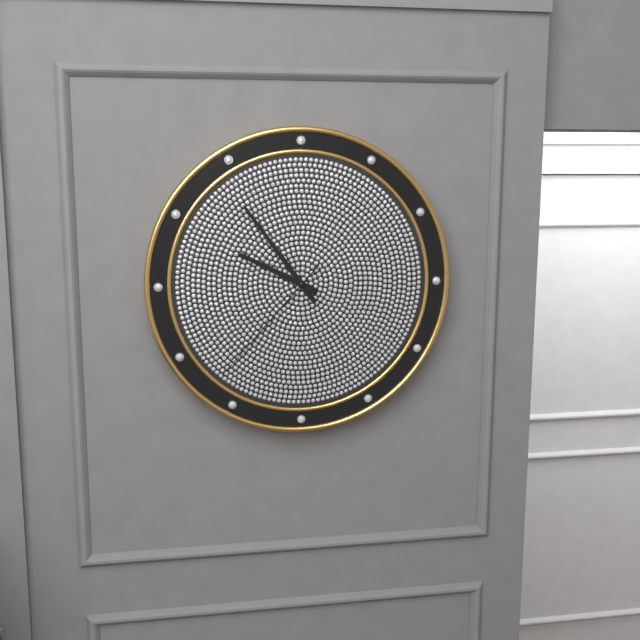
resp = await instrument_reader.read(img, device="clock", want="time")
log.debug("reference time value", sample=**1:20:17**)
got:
**9:54:37**
